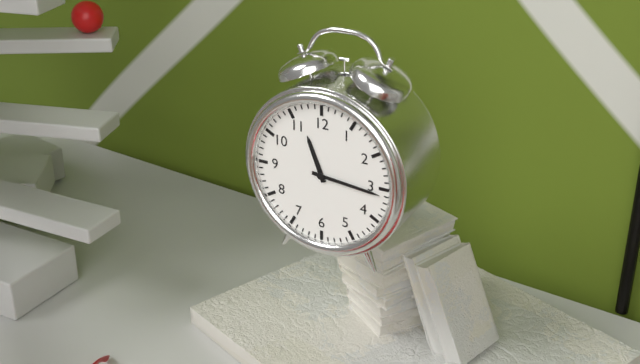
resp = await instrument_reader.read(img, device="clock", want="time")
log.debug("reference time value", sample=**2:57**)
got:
**11:16**
